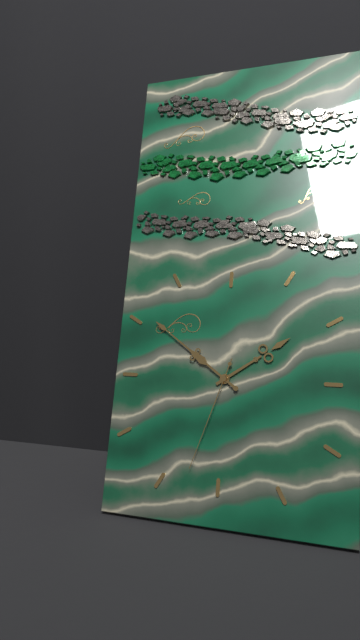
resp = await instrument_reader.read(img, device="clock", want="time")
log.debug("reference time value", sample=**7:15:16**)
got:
**1:51:33**
